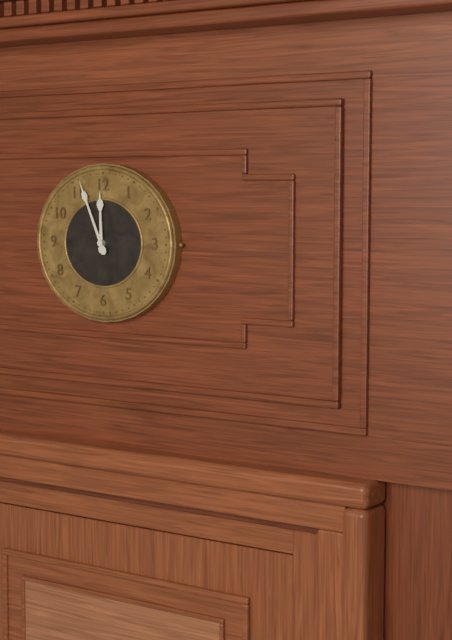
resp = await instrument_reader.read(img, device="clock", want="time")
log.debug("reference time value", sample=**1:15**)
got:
**11:56**
